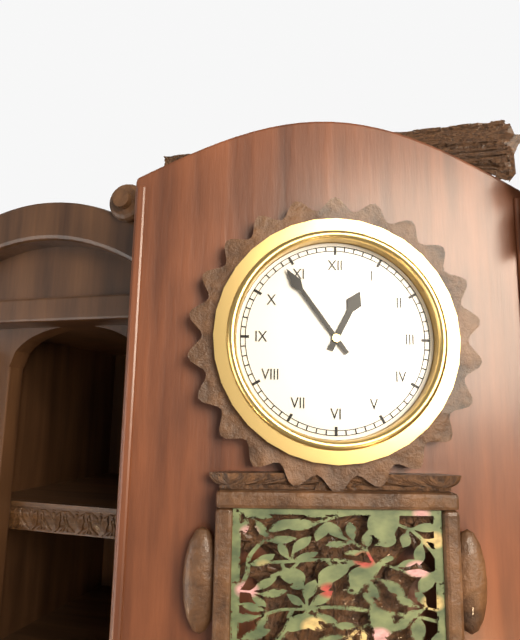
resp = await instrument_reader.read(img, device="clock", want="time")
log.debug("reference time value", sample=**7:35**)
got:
**12:54**
